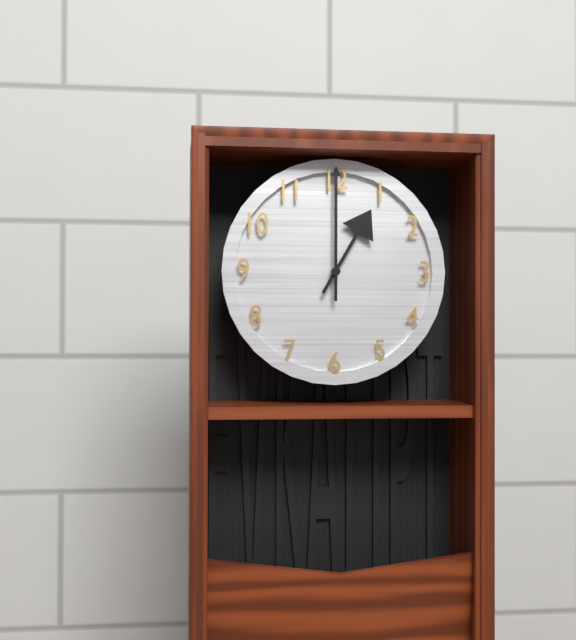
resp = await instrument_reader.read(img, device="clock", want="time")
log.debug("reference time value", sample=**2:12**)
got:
**1:00**
